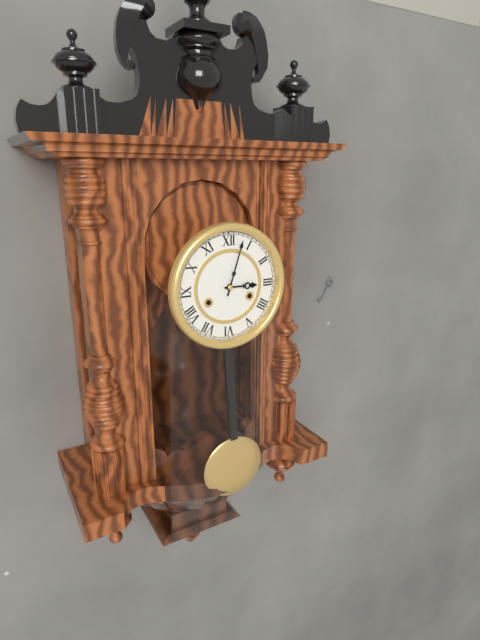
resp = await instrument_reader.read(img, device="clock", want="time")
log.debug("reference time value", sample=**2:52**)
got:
**3:03**
